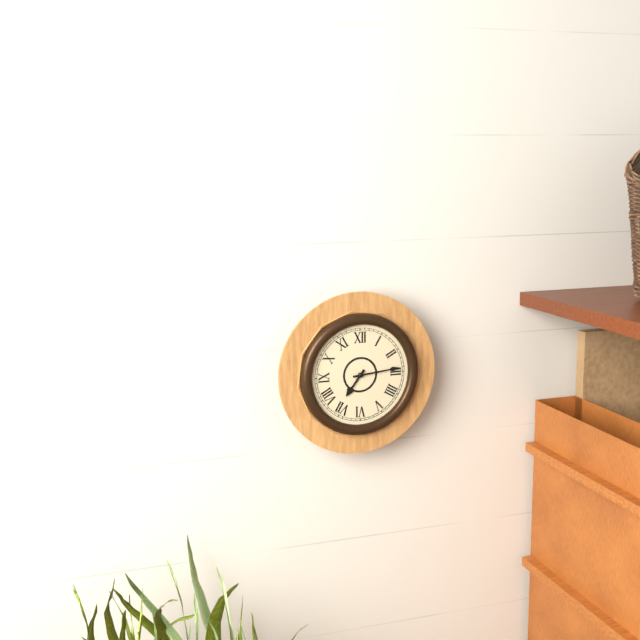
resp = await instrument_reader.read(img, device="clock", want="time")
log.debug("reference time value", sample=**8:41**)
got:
**7:14**
